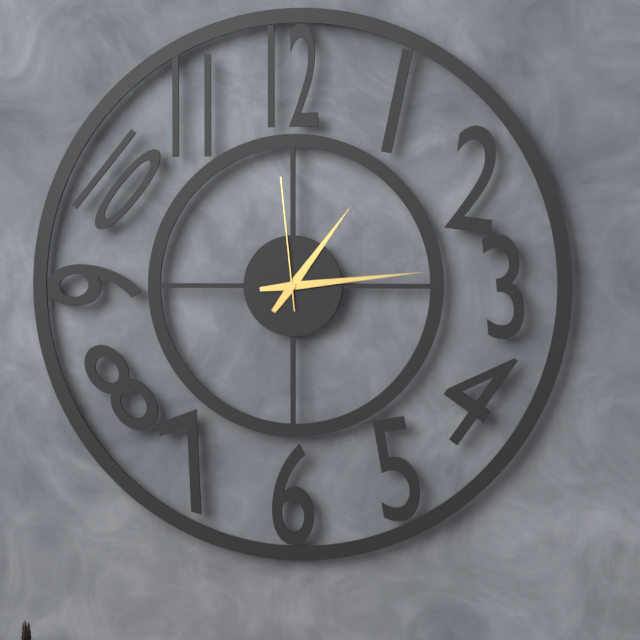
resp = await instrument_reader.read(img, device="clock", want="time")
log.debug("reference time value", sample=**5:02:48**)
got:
**1:14:59**
